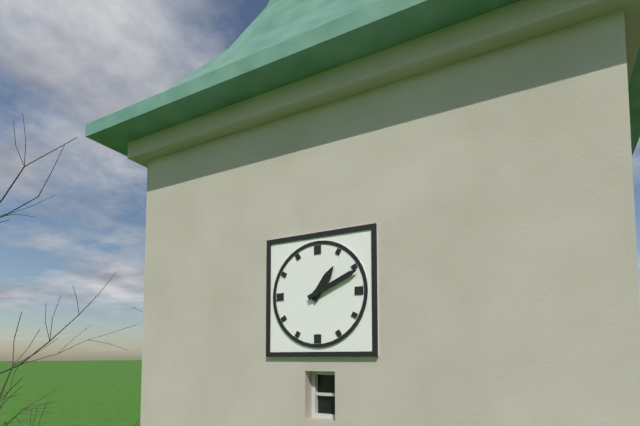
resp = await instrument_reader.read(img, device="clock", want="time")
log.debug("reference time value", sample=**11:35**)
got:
**1:11**
